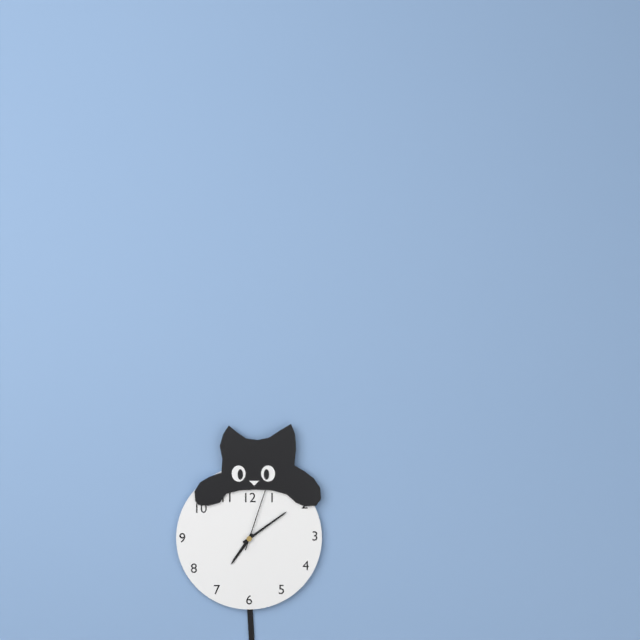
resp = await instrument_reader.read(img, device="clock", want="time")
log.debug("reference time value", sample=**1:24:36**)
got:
**7:09:03**
